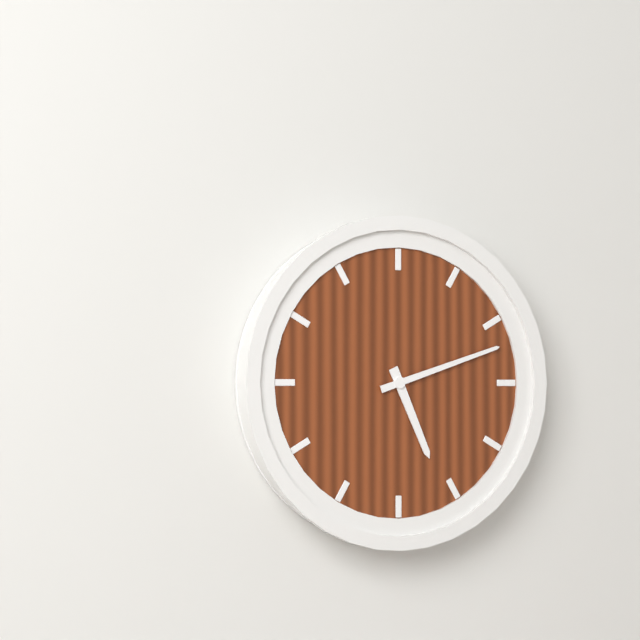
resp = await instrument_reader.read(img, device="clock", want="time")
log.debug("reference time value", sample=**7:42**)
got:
**5:12**
